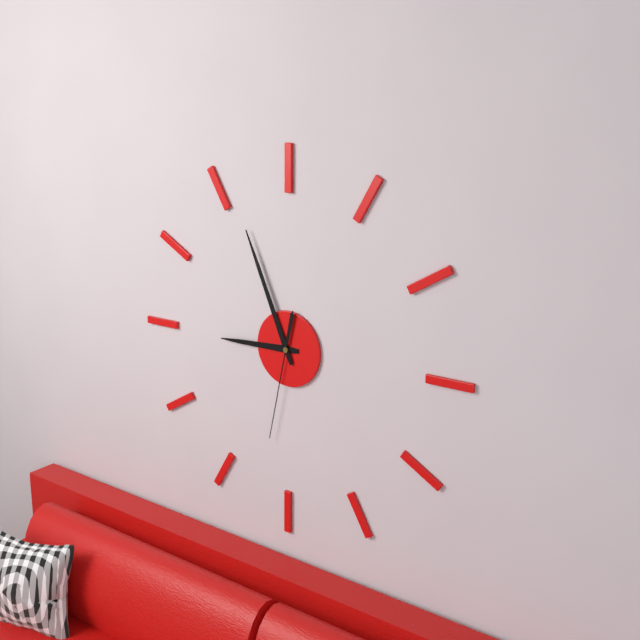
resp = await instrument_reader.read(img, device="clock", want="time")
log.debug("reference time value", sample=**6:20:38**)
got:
**8:56:32**
